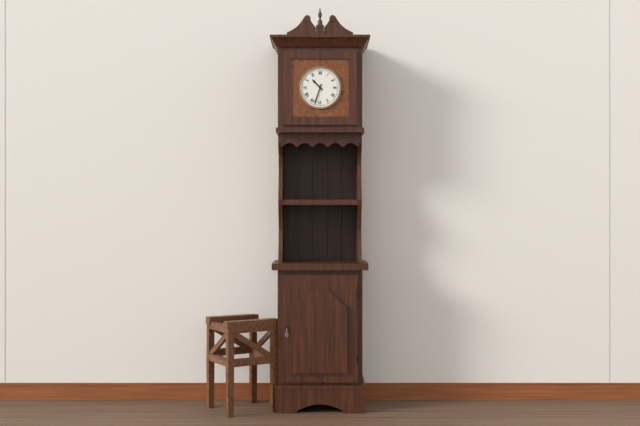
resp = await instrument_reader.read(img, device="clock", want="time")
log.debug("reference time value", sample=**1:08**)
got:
**10:33**
